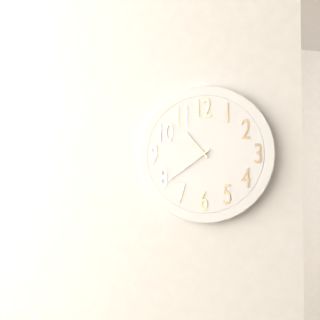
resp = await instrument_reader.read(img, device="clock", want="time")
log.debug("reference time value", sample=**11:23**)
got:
**10:39**
